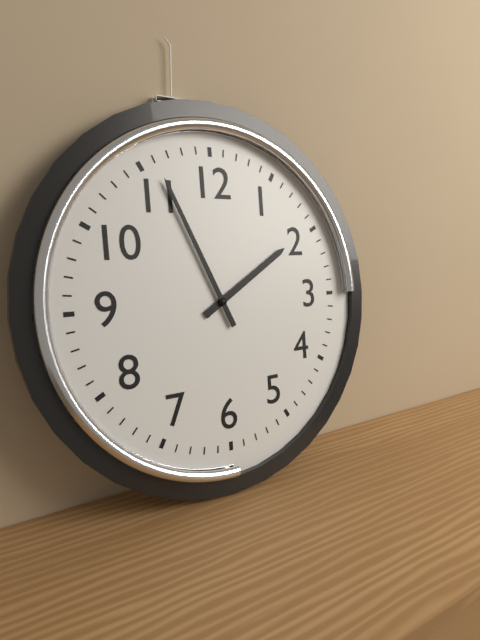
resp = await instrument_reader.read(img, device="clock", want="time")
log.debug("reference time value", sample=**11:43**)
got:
**1:56**
